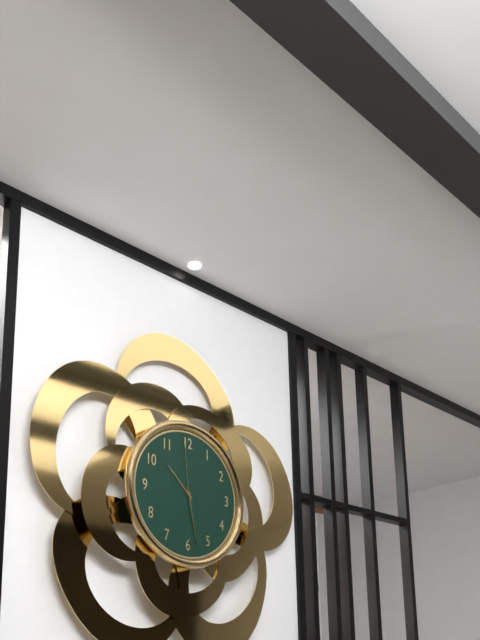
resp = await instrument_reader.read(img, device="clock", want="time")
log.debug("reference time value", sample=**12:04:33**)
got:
**10:28:59**
